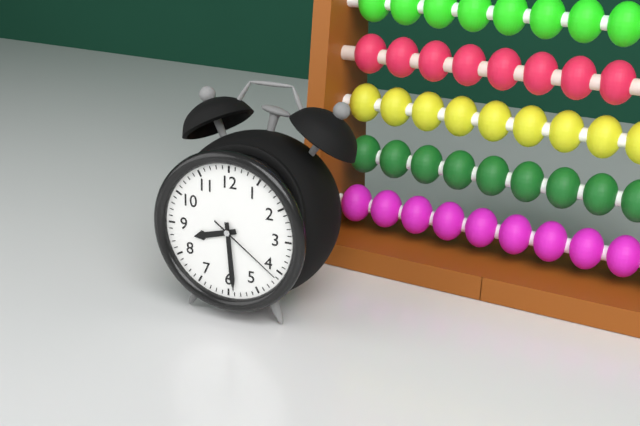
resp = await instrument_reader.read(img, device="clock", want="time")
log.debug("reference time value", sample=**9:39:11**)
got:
**8:29:21**
